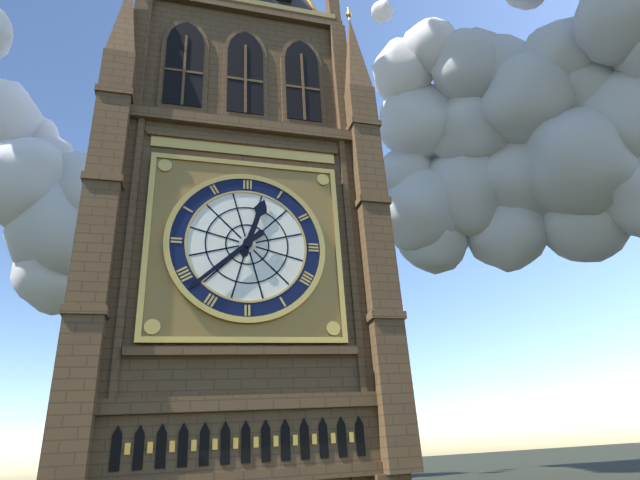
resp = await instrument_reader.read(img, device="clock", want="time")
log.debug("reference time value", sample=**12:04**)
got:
**12:38**
